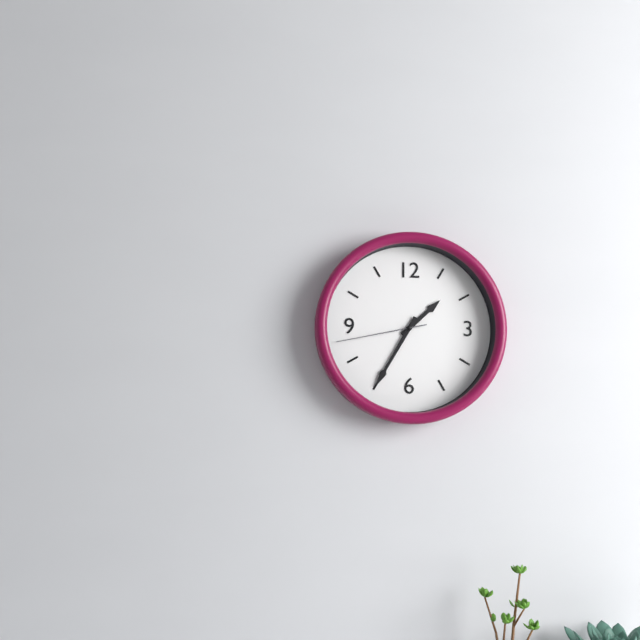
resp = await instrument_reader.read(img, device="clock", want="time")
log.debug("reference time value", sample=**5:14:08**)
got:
**1:35:43**
